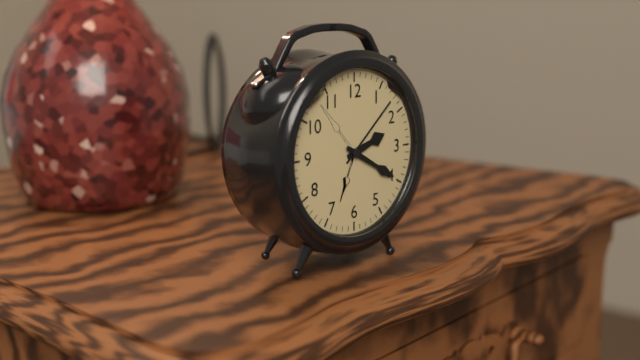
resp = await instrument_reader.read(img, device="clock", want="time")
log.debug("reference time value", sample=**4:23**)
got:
**2:20**
